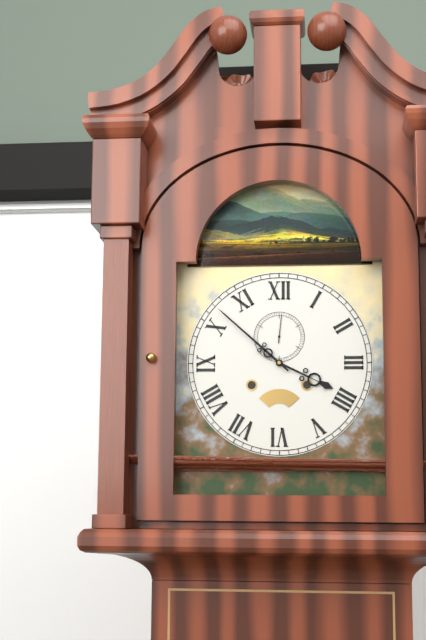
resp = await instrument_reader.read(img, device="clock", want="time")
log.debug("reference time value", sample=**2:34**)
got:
**3:52**
